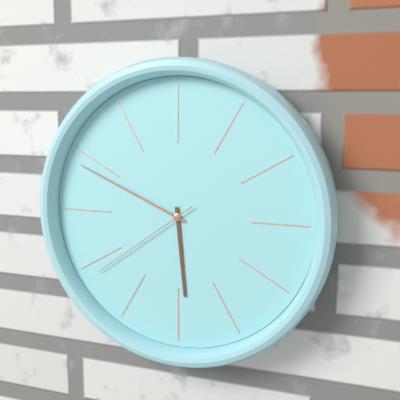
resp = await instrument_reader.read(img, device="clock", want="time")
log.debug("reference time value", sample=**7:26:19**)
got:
**5:49:39**
